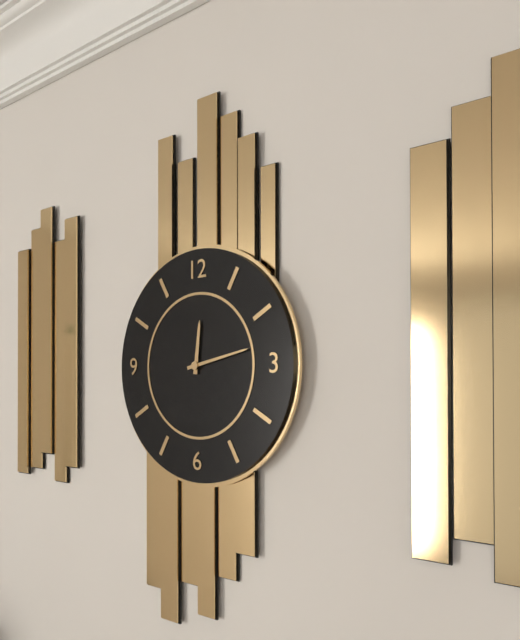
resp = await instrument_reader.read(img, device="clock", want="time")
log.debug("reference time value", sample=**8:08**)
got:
**12:13**
